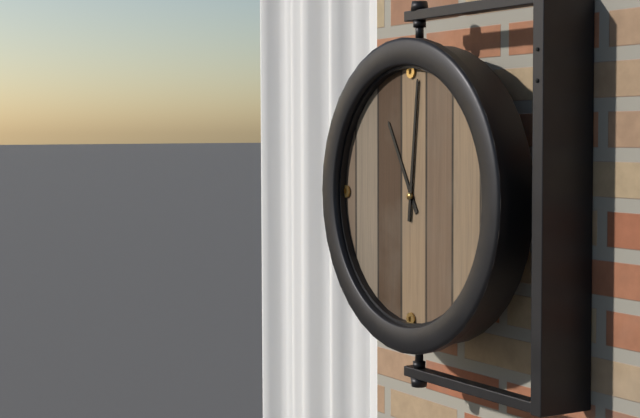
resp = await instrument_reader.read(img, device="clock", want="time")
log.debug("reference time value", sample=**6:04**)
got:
**11:01**
